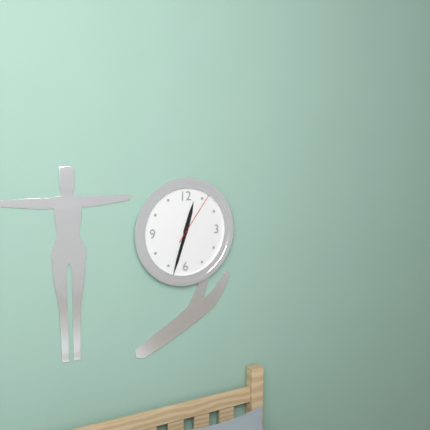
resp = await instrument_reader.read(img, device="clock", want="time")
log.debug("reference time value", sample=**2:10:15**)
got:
**12:33:06**
